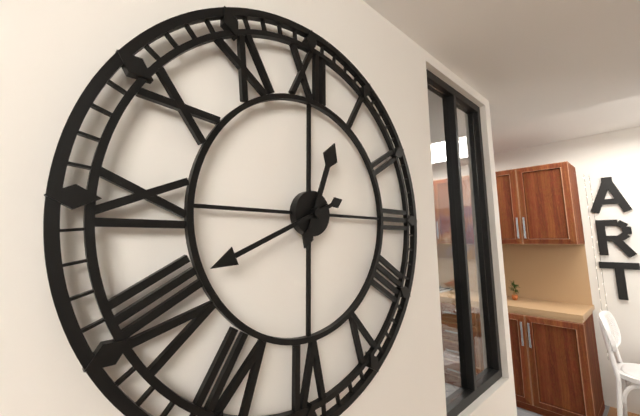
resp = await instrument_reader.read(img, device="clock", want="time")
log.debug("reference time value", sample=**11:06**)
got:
**12:41**
